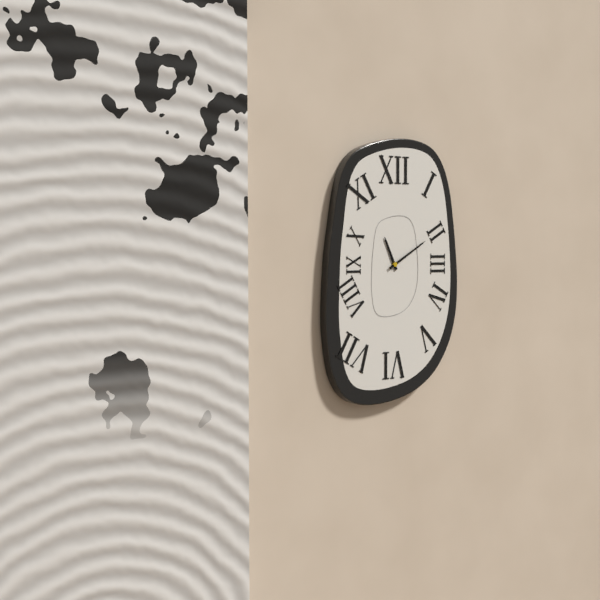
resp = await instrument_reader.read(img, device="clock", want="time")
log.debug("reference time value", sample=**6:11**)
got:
**11:10**
